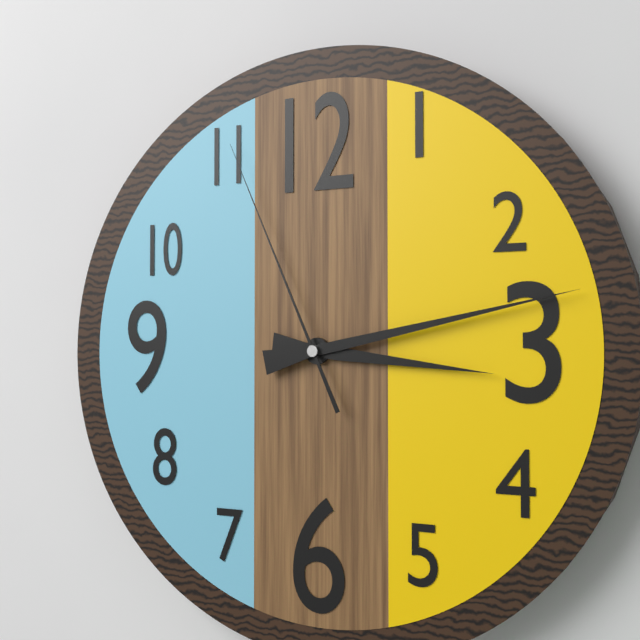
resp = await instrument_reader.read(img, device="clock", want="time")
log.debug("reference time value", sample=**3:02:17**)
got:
**3:13:56**
